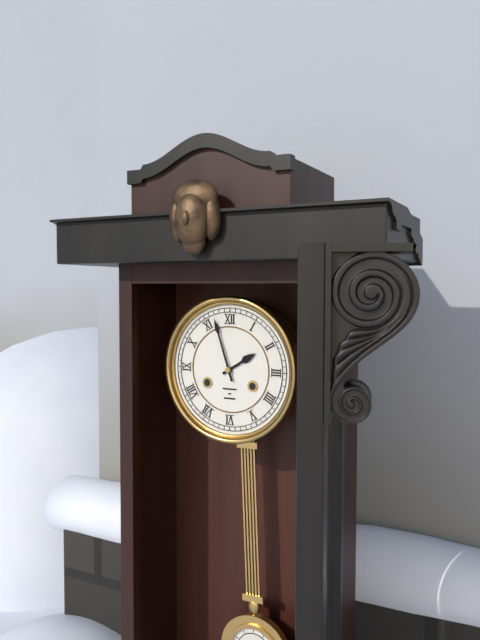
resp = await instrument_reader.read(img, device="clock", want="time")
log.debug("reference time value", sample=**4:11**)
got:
**1:57**
